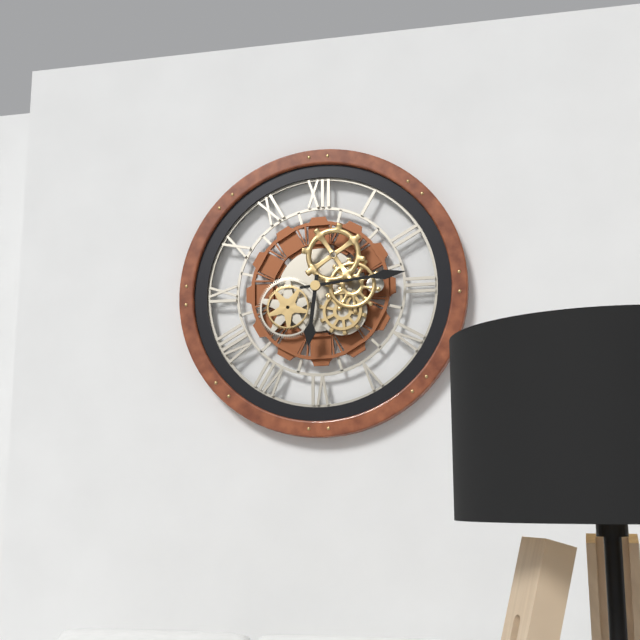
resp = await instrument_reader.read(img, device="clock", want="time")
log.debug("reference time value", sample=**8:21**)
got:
**6:14**
